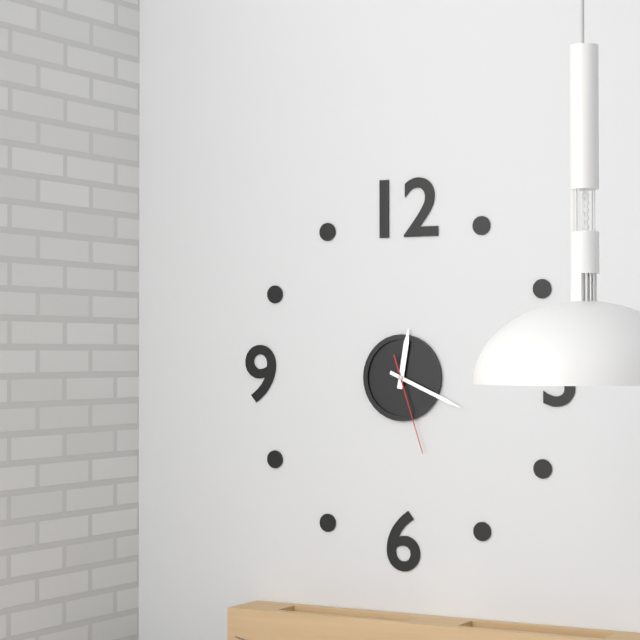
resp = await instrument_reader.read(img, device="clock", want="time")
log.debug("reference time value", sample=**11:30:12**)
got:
**12:19:27**
